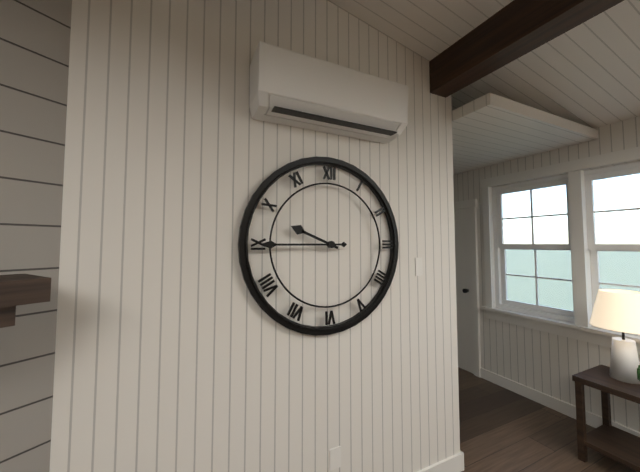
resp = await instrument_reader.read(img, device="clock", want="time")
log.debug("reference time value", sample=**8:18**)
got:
**9:45**
